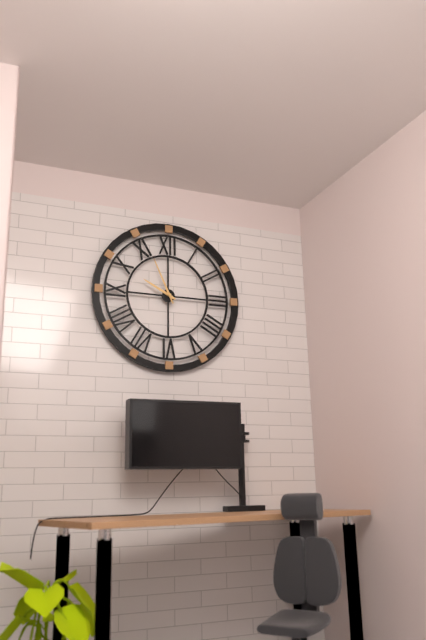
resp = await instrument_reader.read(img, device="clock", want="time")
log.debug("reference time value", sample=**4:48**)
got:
**9:56**
